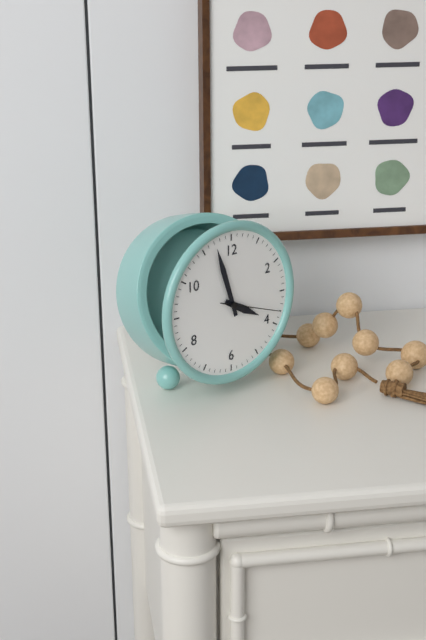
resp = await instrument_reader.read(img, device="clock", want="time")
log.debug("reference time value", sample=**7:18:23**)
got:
**3:57:18**
